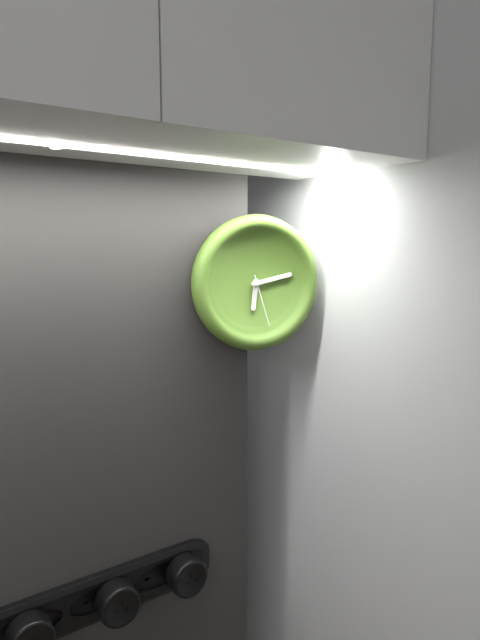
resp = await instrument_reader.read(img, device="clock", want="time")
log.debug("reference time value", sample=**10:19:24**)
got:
**6:13:27**
